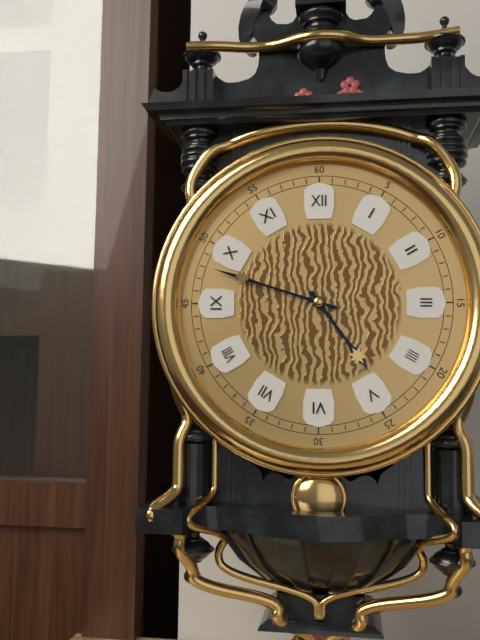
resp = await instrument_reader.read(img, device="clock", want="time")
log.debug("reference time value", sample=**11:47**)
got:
**4:48**
